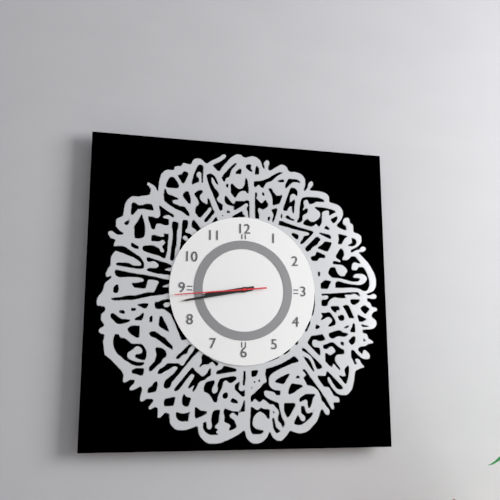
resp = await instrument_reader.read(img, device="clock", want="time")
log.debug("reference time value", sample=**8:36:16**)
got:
**8:43:44**
